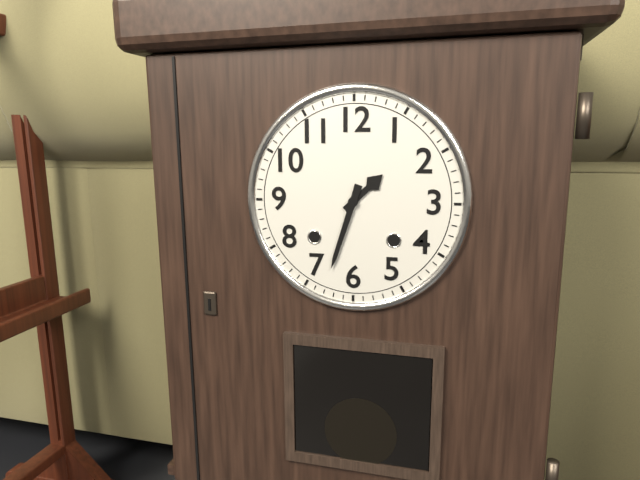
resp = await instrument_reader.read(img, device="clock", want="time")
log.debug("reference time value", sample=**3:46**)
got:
**1:33**
